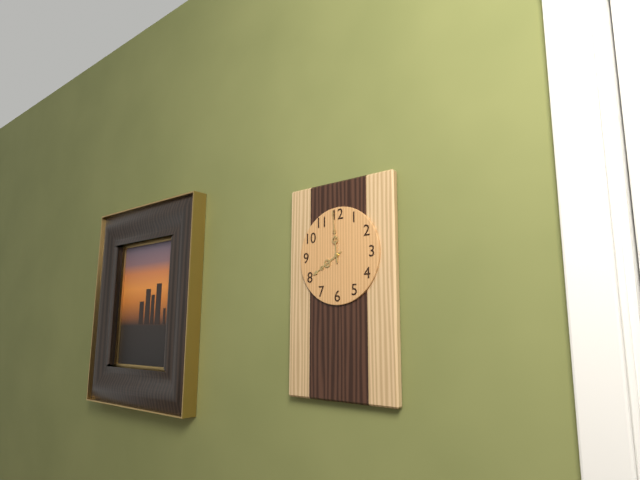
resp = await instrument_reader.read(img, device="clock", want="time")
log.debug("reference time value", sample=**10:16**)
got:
**7:59**
